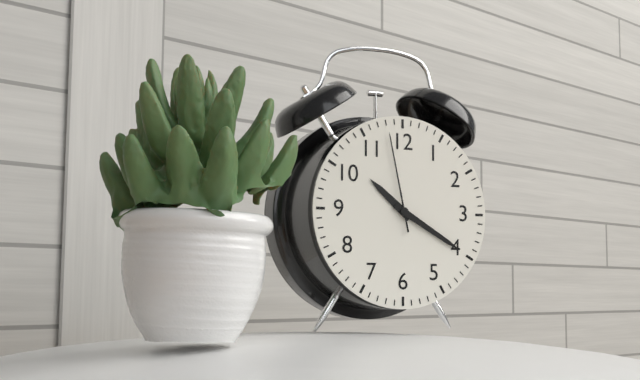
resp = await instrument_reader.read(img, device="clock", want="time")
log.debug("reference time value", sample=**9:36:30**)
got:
**10:20:58**
